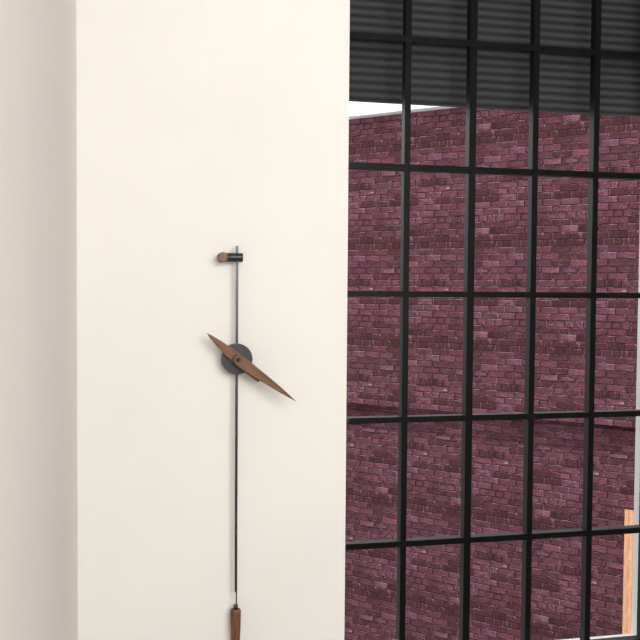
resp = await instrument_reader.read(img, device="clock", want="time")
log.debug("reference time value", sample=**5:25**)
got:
**10:21**
